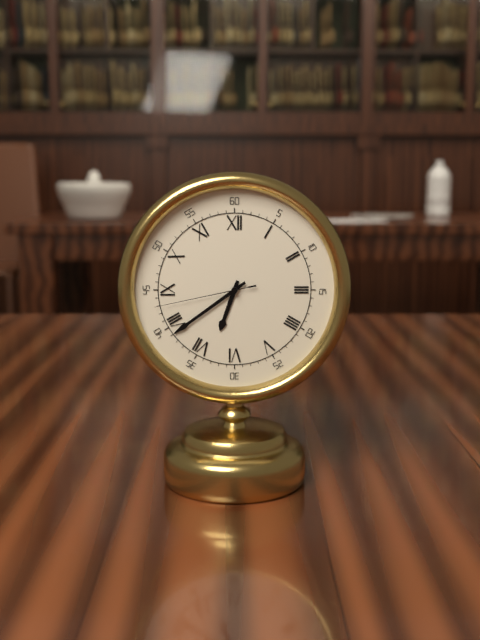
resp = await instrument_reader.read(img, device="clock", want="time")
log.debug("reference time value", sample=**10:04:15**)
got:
**6:39:43**
